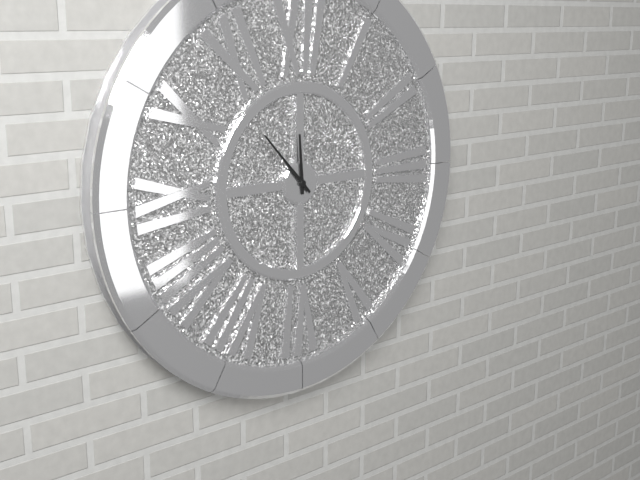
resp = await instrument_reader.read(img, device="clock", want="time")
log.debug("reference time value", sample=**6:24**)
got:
**11:53**
